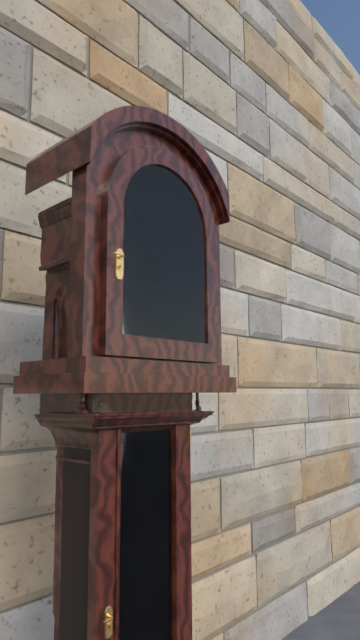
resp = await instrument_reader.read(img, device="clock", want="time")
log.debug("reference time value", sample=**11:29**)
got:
**2:33**
